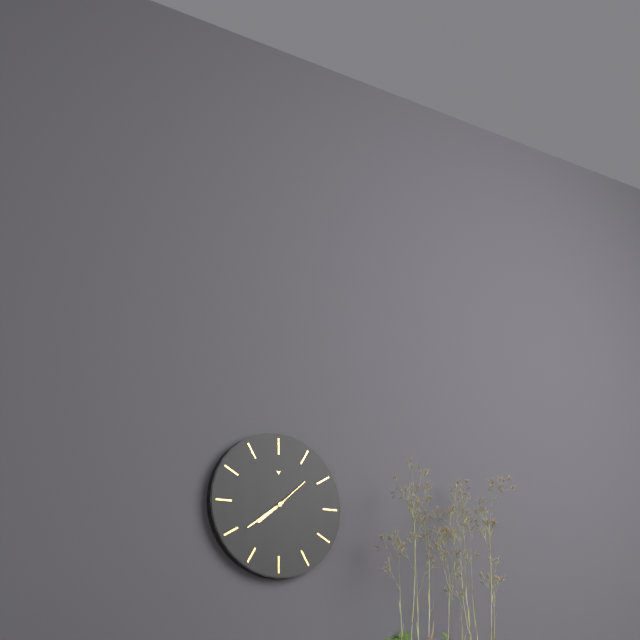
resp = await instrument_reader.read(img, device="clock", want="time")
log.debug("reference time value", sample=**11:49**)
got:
**7:39**
